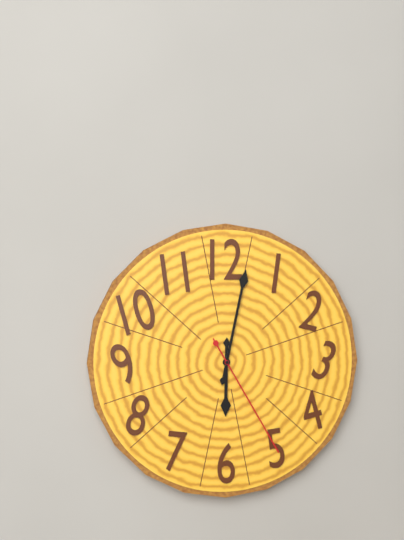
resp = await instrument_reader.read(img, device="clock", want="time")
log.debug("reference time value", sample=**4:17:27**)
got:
**6:02:25**
